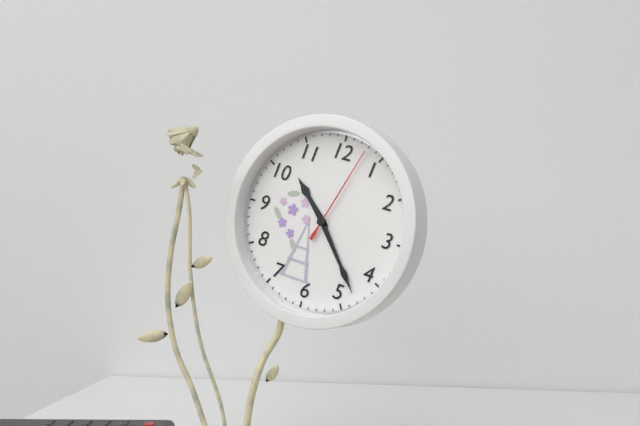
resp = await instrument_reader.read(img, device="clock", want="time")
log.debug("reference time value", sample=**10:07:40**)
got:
**10:23:03**
